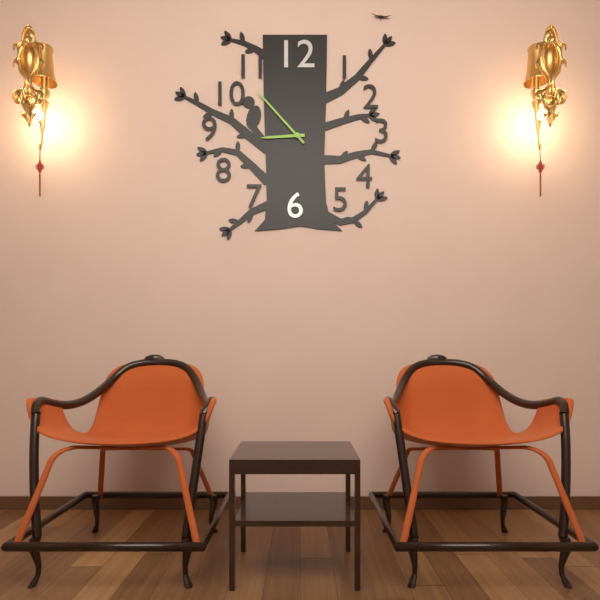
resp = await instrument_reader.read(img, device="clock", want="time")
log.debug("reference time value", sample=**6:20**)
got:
**8:53**
